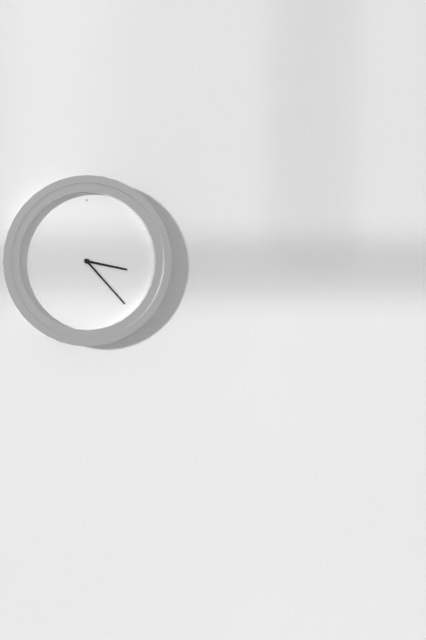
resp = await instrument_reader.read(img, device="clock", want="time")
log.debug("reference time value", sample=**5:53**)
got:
**3:23**
